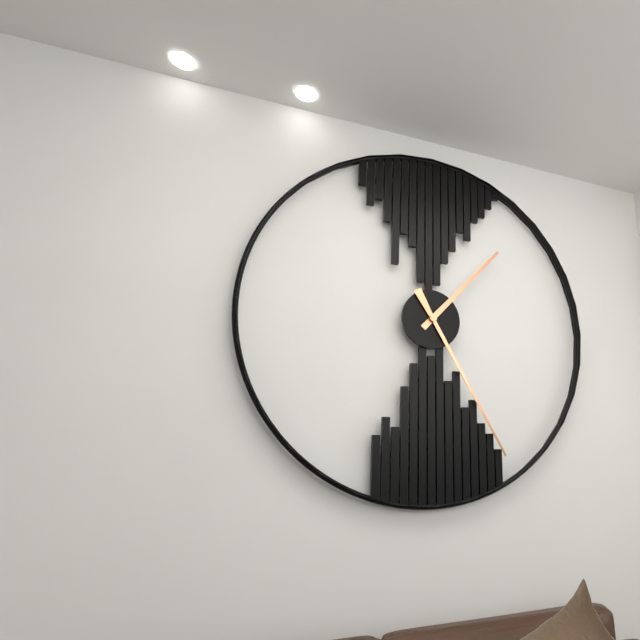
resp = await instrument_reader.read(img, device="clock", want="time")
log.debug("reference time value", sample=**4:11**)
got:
**1:25**
